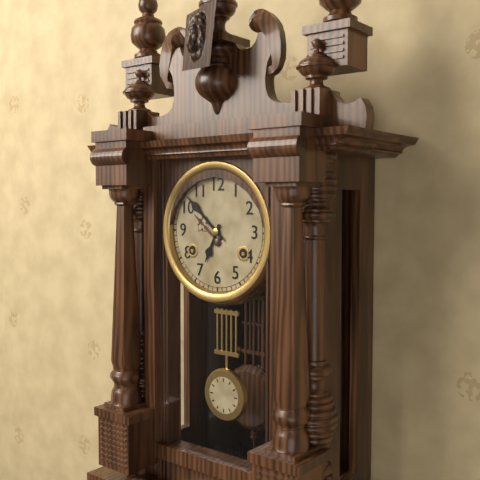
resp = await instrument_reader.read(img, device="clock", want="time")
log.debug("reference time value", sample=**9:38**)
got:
**6:52**
